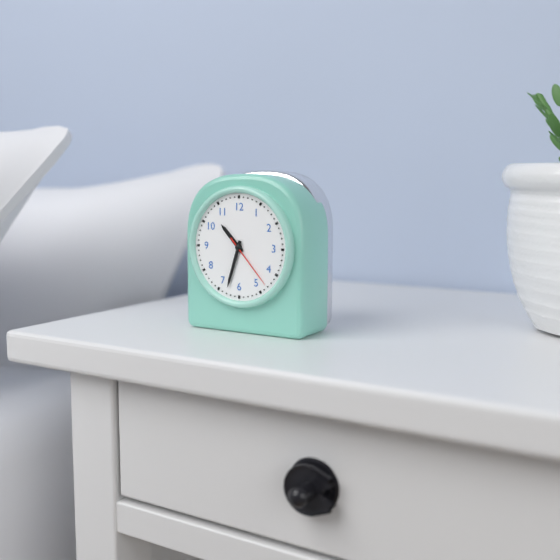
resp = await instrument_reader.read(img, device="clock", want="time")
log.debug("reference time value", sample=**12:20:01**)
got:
**10:33:23**
